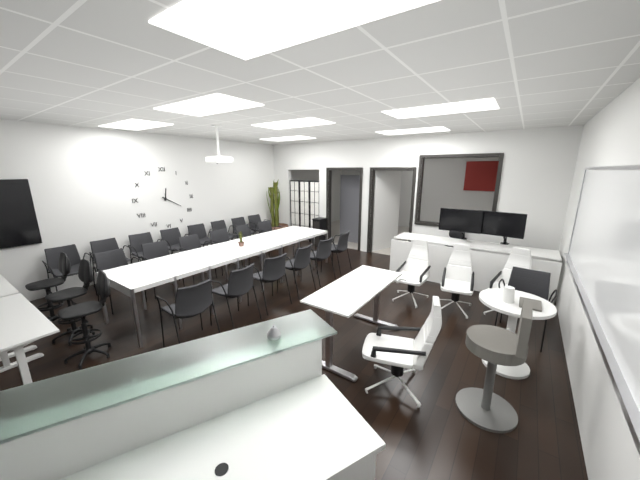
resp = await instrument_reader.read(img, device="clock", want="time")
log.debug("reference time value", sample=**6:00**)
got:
**12:20**
